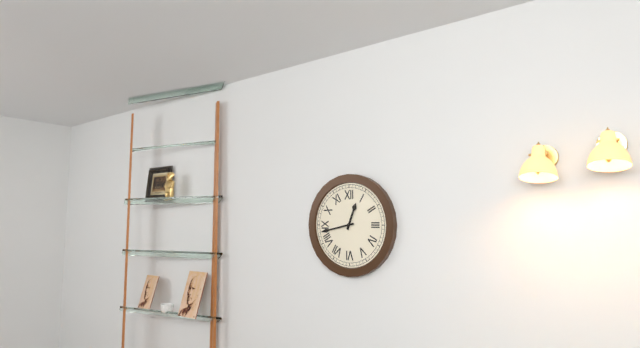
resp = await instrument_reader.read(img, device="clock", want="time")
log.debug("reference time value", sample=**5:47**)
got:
**12:43**
